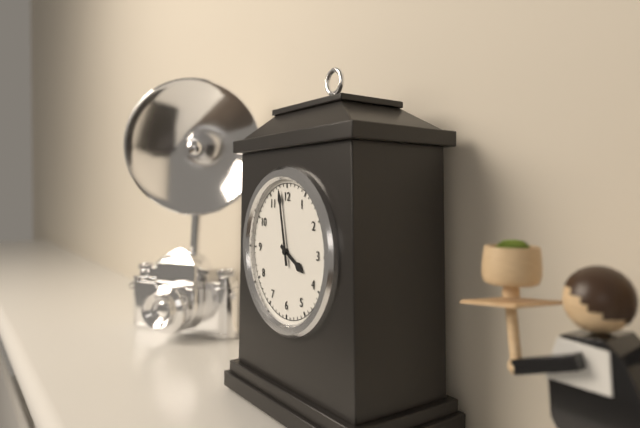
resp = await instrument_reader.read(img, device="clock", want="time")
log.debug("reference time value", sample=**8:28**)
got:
**3:58**
